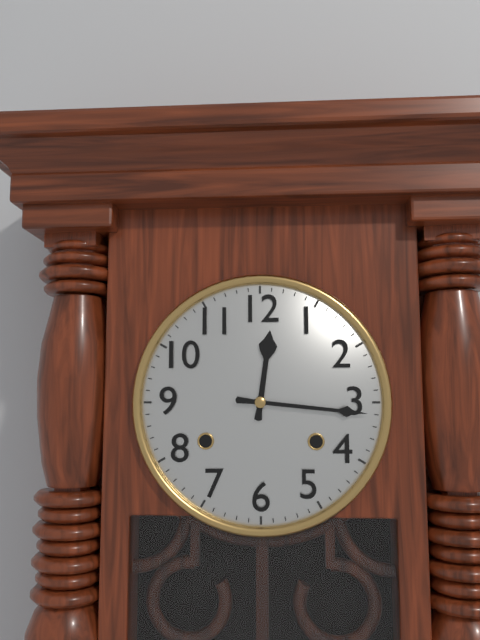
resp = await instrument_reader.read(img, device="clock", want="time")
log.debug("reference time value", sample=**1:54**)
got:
**12:16**
